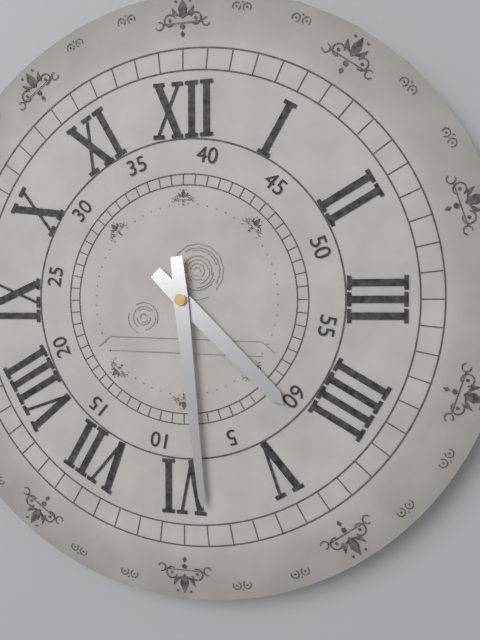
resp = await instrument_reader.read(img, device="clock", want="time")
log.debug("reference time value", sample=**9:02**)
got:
**4:29**
